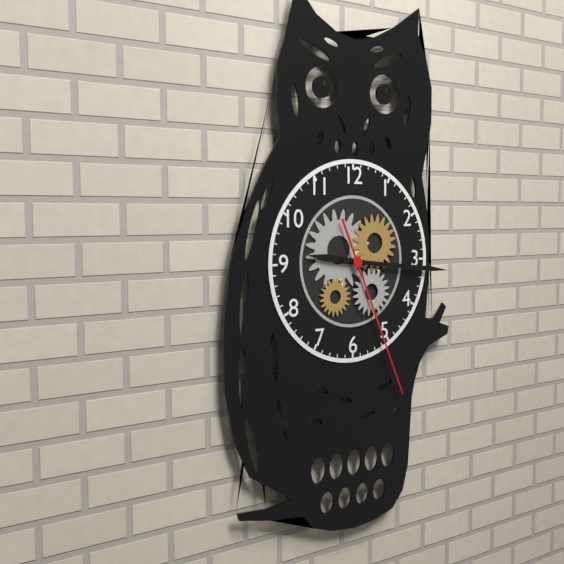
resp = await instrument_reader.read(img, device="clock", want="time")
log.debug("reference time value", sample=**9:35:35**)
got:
**9:16:26**
